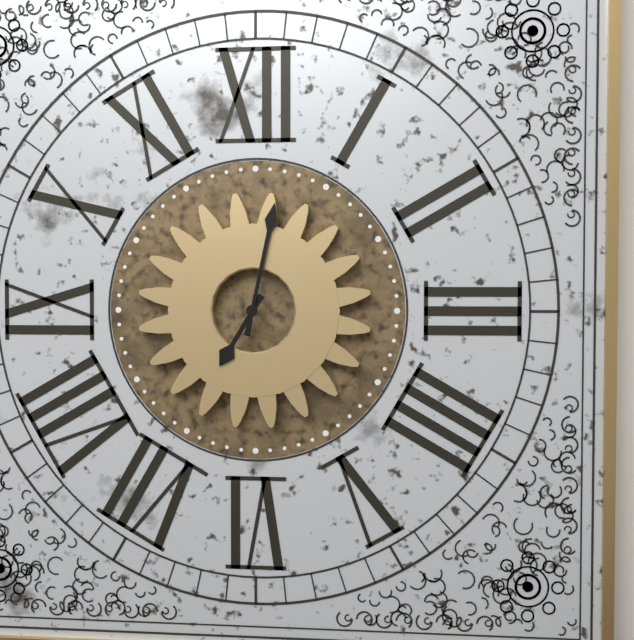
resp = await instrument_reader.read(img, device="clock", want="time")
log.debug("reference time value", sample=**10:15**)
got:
**7:02**
